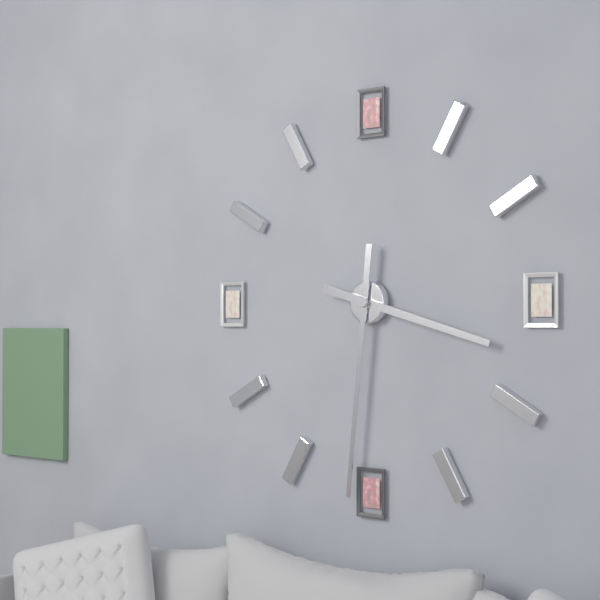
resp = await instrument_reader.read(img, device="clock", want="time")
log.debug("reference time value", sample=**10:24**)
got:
**3:31**
